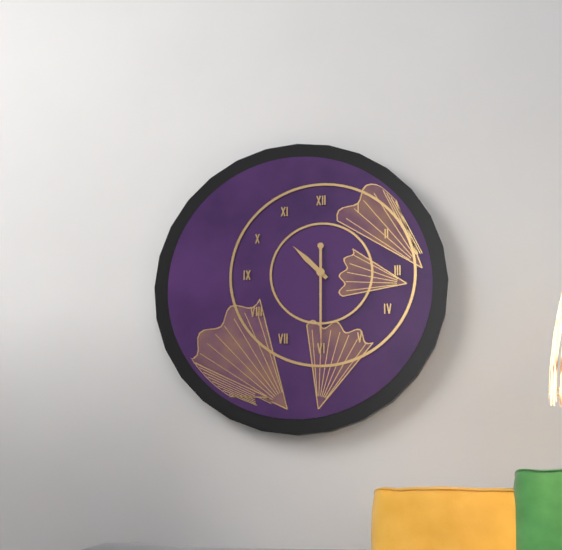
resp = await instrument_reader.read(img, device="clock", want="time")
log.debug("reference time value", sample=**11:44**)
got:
**10:30**
